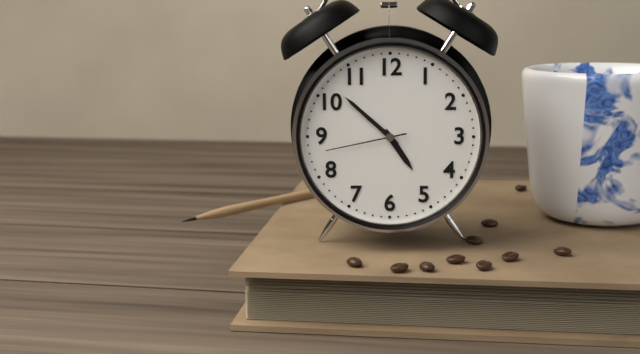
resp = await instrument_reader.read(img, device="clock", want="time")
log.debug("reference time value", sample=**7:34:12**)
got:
**4:52:43**
